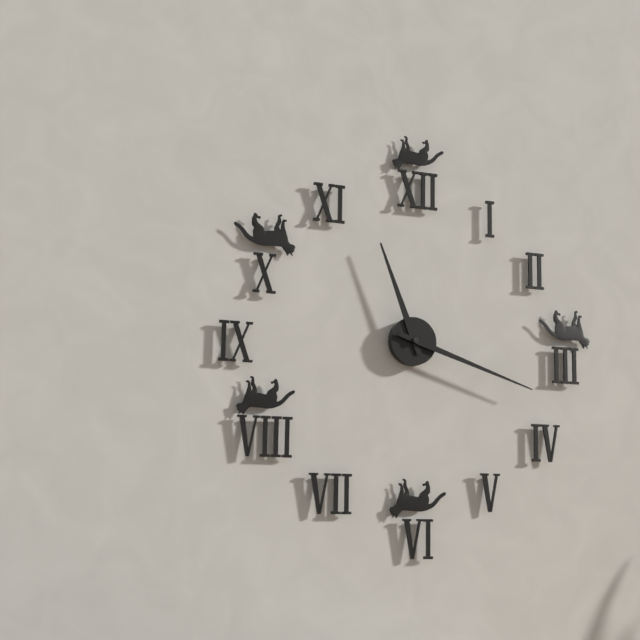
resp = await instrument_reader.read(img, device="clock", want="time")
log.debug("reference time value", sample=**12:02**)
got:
**11:18**
